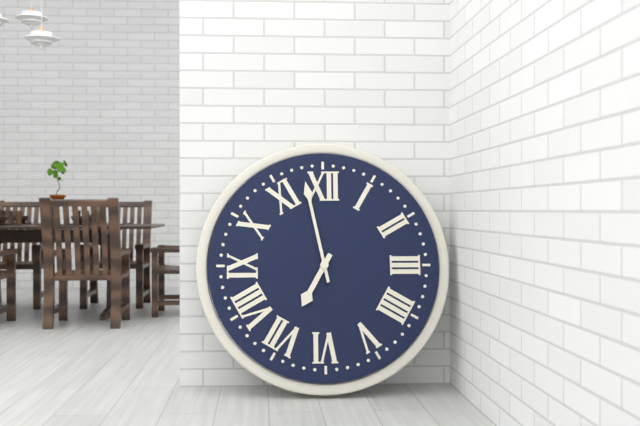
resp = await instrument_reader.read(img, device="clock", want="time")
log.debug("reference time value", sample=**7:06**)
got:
**6:58**
